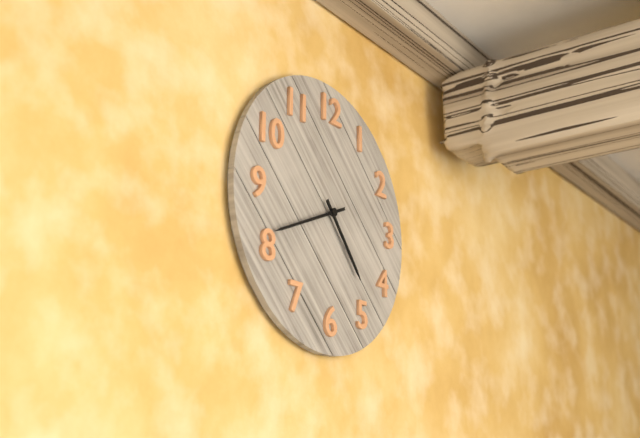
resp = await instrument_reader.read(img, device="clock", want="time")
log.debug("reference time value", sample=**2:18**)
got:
**4:41**
